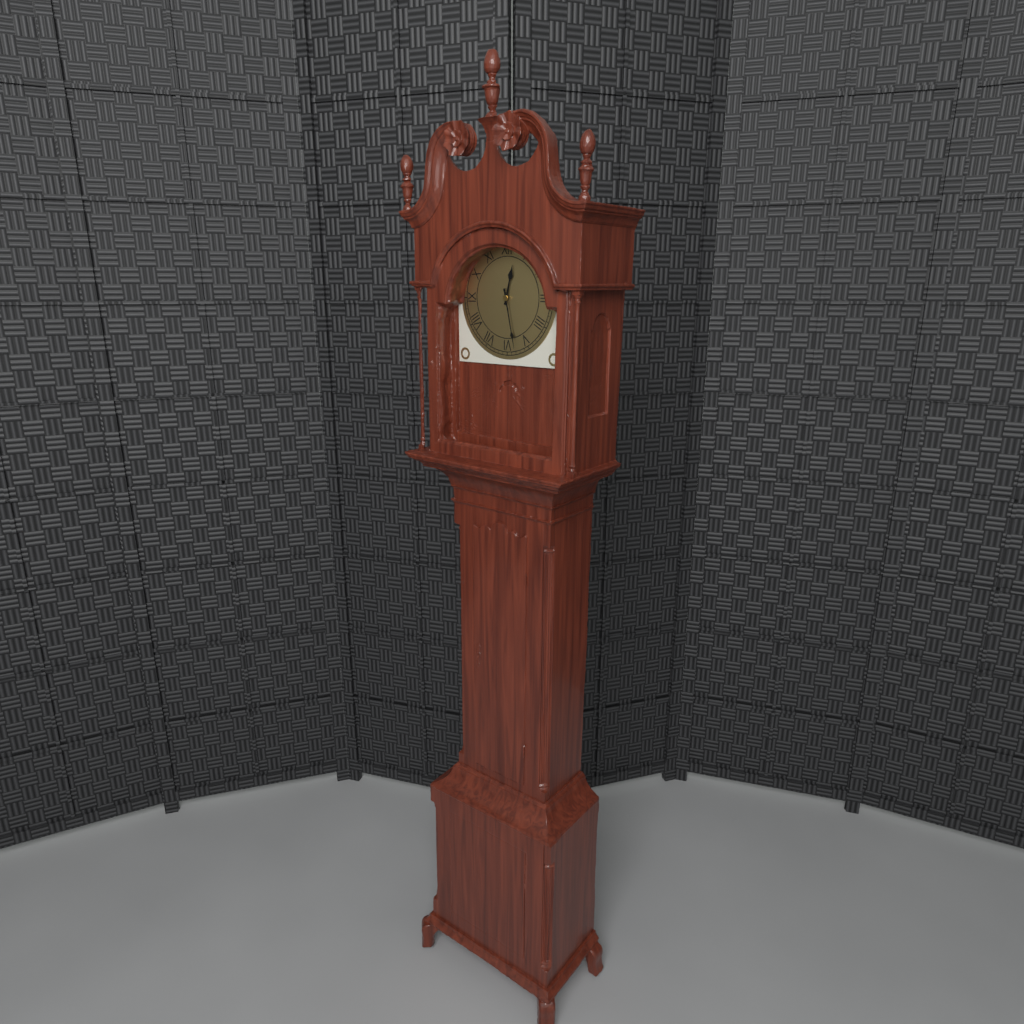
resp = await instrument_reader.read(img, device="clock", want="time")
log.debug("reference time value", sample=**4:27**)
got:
**12:28**
